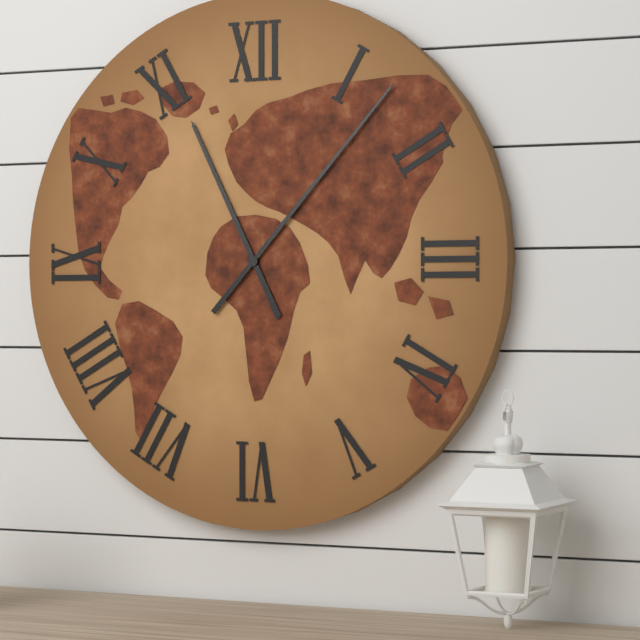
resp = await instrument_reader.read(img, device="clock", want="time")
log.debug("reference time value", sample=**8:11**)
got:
**11:07**
